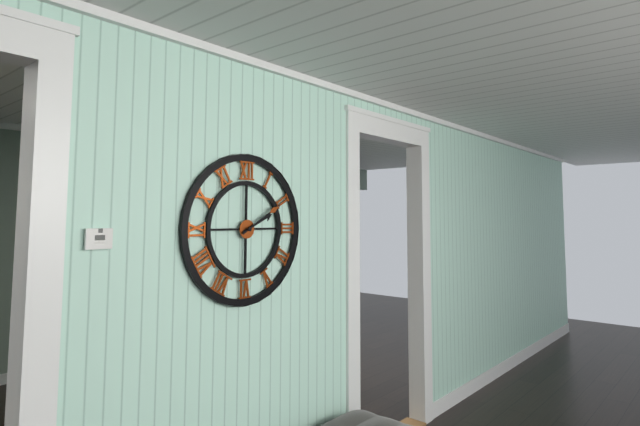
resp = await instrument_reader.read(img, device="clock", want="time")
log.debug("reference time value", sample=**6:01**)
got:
**2:10**
